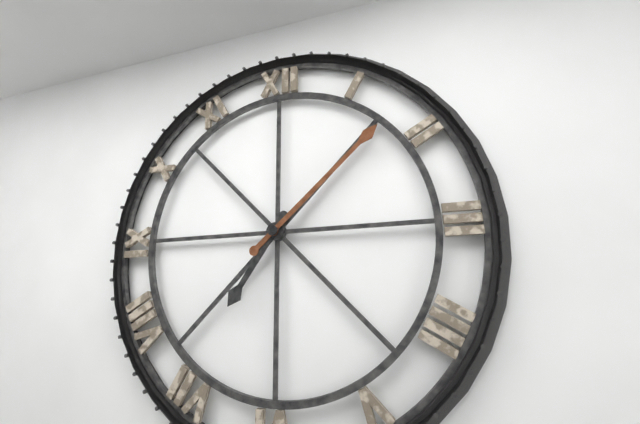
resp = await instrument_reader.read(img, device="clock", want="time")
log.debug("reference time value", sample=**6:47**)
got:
**7:08**
